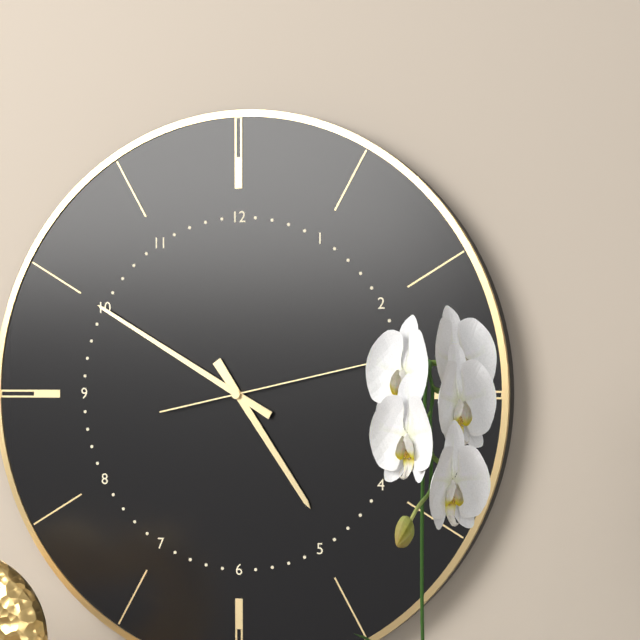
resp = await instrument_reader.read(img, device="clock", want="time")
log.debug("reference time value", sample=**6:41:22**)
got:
**4:50:13**
